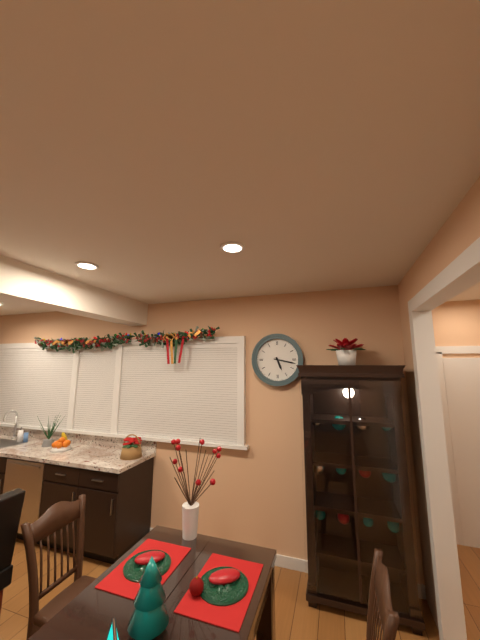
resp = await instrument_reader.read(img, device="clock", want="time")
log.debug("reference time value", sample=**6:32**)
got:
**5:17**
